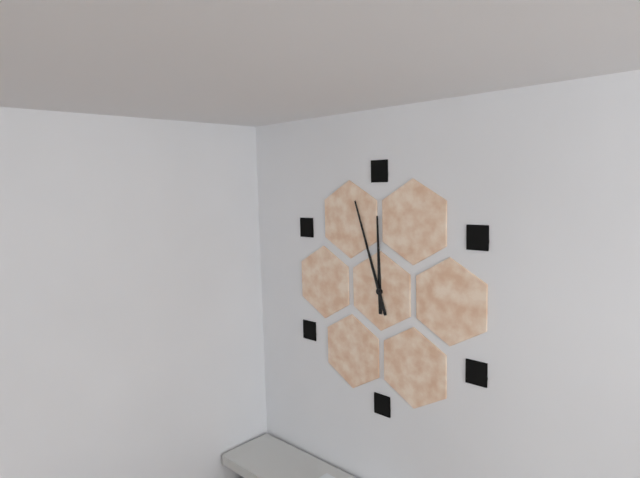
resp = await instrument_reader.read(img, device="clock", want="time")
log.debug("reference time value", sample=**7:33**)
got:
**11:57**
